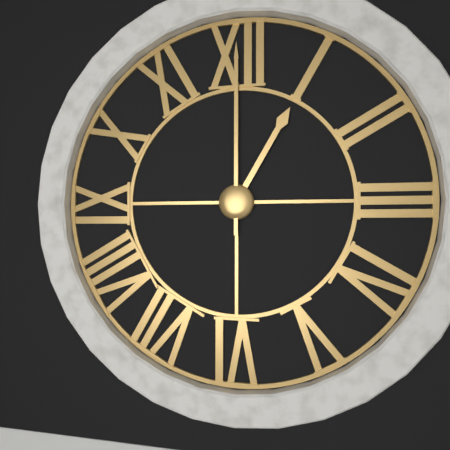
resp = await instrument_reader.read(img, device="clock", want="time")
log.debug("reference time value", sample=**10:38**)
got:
**1:00**
